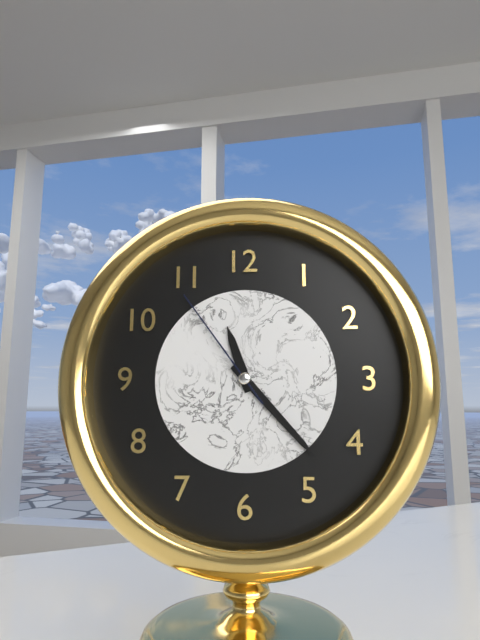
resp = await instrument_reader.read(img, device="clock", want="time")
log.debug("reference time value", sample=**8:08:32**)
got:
**11:23:54**
